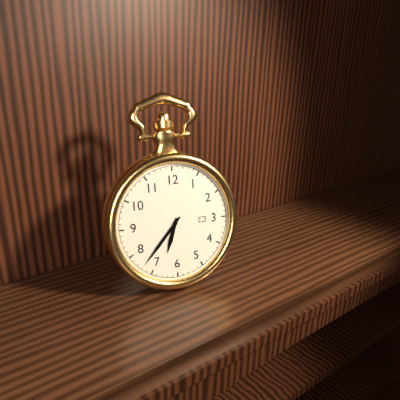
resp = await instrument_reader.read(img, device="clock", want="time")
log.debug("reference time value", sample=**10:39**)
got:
**6:37**
